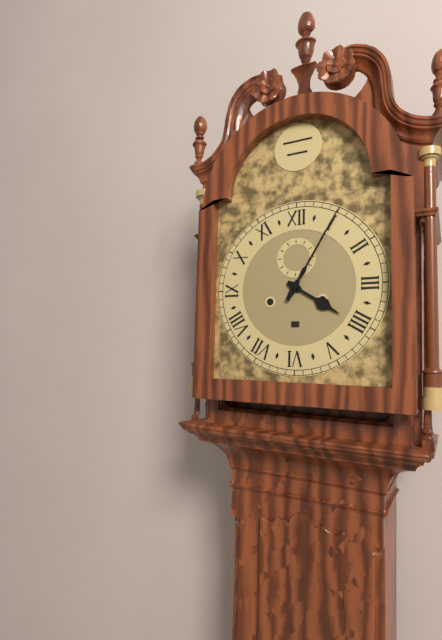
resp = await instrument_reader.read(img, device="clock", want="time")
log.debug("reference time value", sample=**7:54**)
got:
**4:05**
